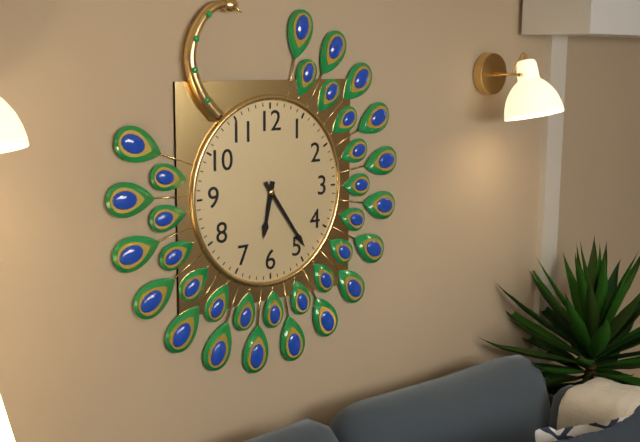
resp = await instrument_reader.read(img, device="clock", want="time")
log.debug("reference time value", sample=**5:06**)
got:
**6:24**
